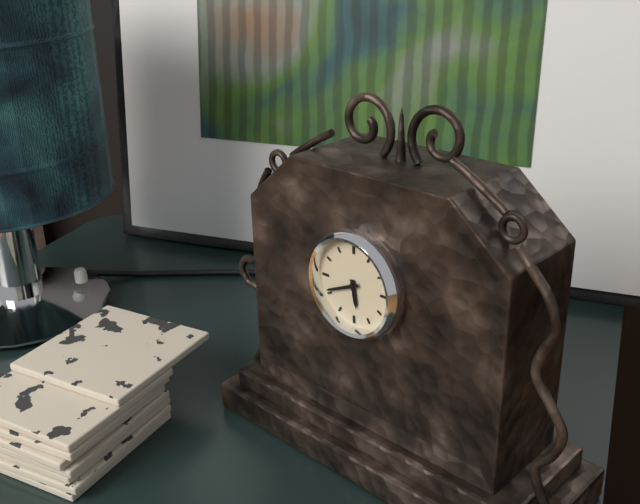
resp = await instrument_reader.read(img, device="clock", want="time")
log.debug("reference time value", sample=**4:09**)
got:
**5:41**
